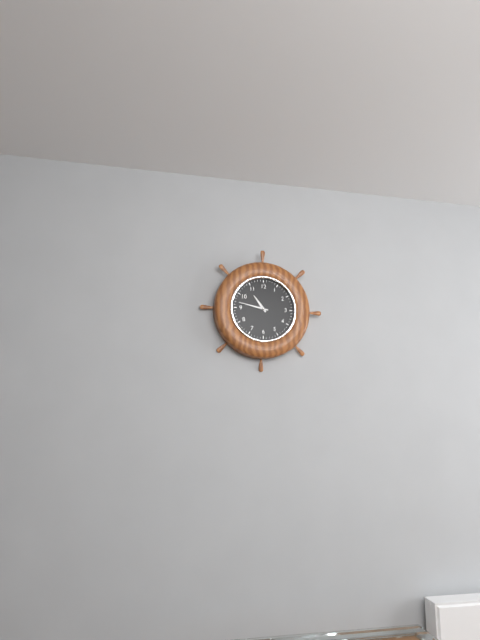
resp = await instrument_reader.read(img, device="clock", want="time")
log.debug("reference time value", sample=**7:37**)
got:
**10:47**
